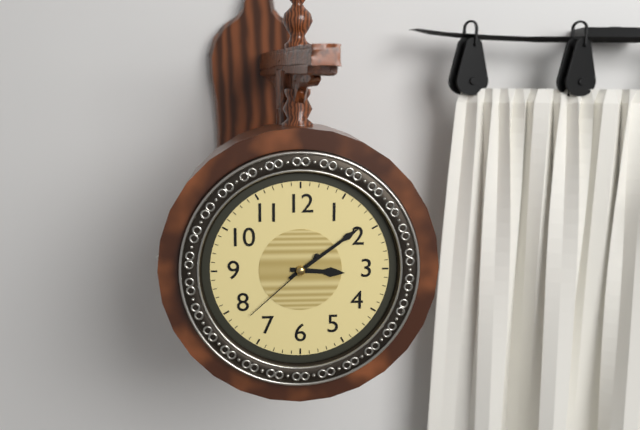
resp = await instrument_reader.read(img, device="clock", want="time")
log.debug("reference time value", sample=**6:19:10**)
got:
**3:09:38**
